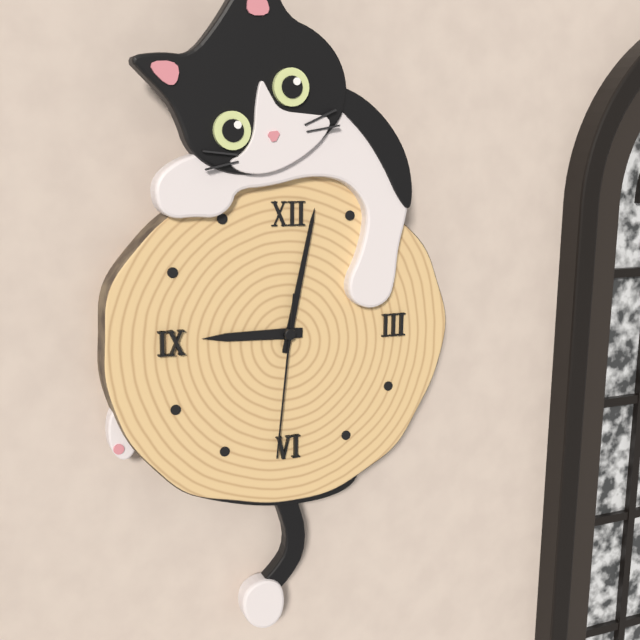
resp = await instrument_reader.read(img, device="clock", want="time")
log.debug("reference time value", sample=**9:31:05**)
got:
**9:02:31**
